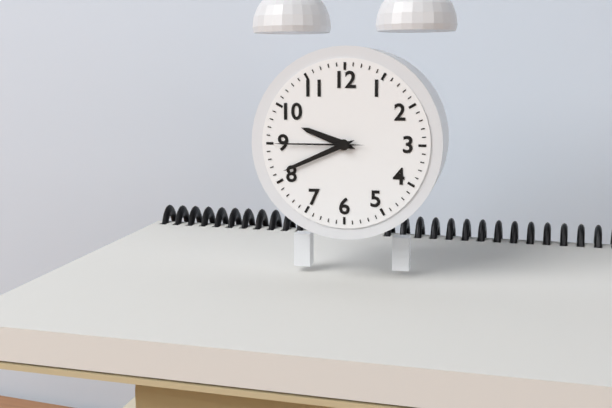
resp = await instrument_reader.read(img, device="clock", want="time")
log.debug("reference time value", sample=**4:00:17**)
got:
**9:41:45**
